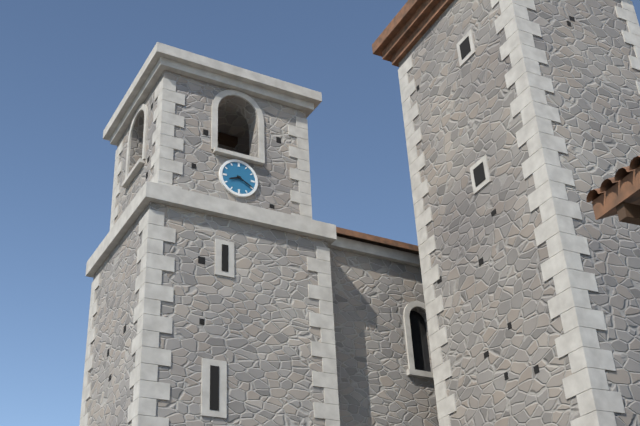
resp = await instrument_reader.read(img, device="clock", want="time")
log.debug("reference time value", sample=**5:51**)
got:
**8:20**
